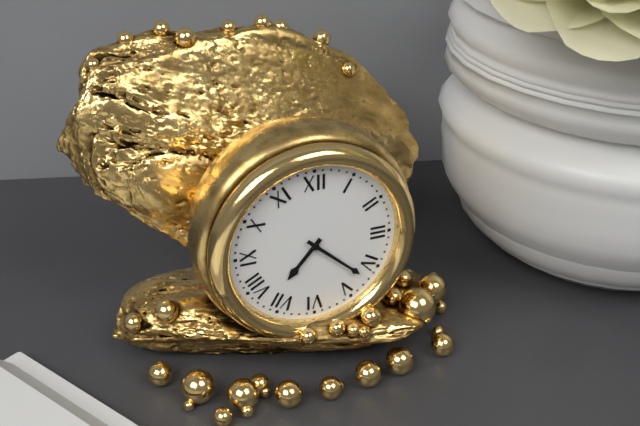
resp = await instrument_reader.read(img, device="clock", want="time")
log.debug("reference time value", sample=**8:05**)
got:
**7:22**
